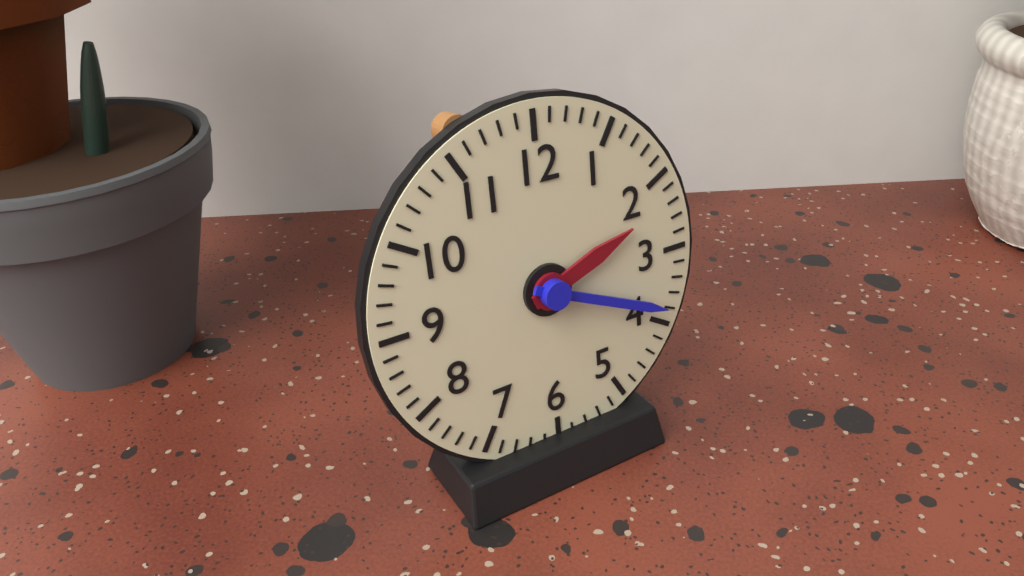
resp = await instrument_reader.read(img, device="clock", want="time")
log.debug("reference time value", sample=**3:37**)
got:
**2:19**
